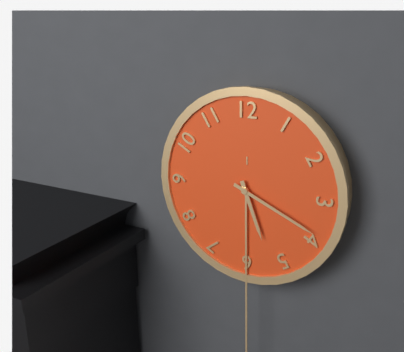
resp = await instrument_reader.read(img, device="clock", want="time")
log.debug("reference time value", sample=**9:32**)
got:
**5:19**
